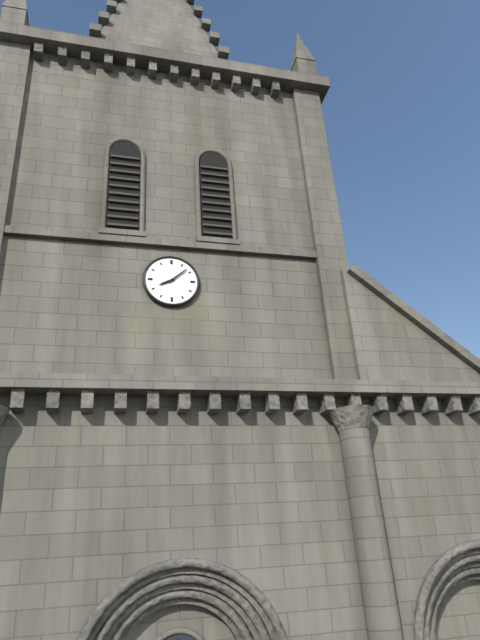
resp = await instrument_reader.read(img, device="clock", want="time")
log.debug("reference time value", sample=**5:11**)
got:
**8:08**
